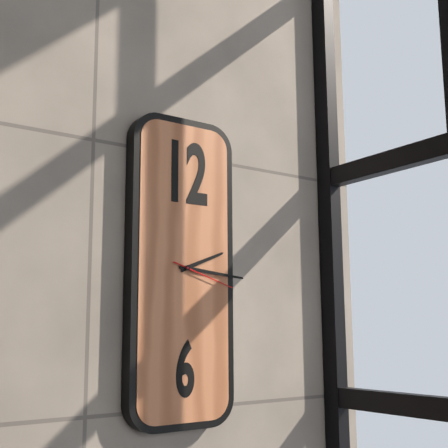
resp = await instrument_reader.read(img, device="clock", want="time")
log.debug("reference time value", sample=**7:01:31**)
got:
**2:16:18**
